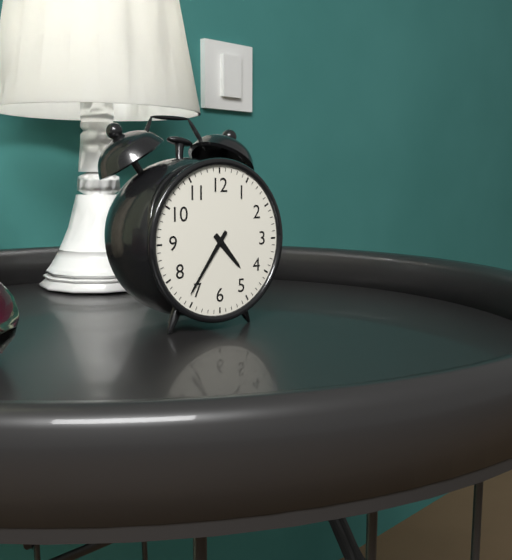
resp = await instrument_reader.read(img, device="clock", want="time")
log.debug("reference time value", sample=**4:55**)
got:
**4:36**
